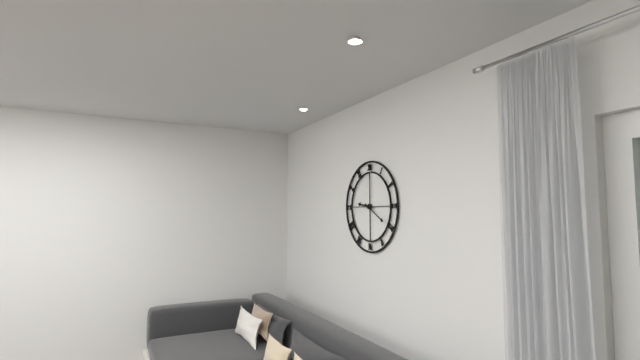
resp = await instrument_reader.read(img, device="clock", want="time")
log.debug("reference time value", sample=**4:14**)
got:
**9:20**
